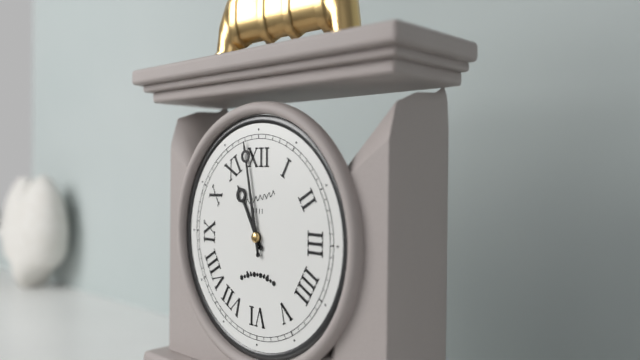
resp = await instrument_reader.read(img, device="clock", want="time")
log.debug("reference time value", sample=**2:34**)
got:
**10:58**
